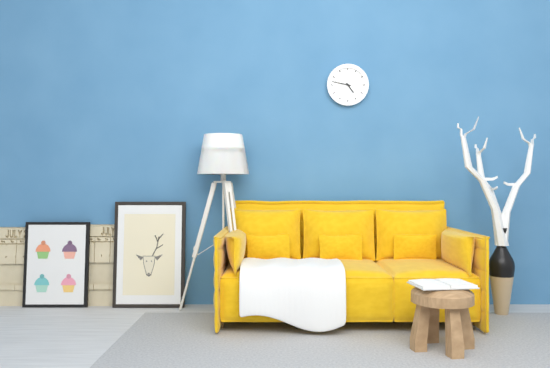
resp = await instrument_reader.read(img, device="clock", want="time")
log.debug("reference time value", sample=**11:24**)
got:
**4:47**
